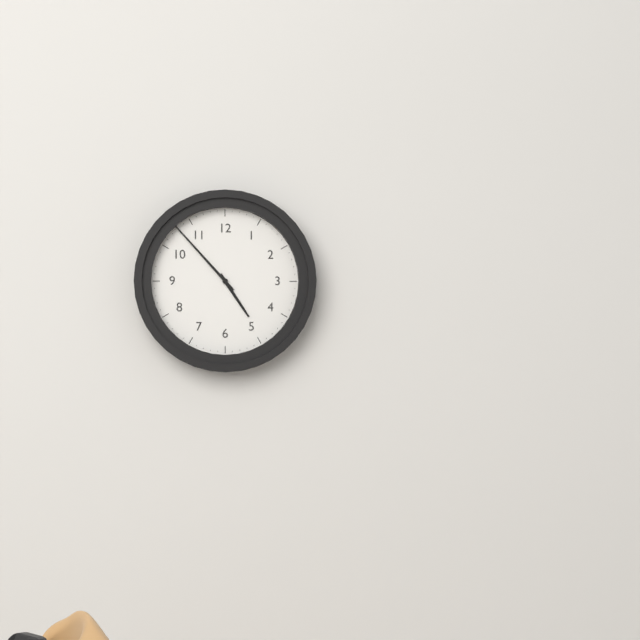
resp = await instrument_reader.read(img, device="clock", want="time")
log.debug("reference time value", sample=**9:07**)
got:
**4:53**
